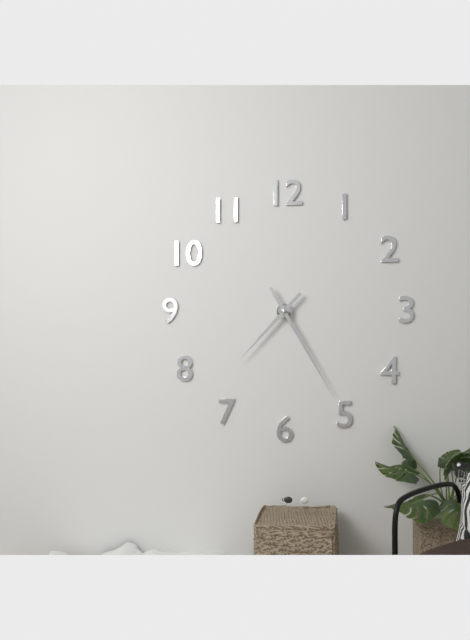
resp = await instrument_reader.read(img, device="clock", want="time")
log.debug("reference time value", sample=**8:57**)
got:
**7:25**
